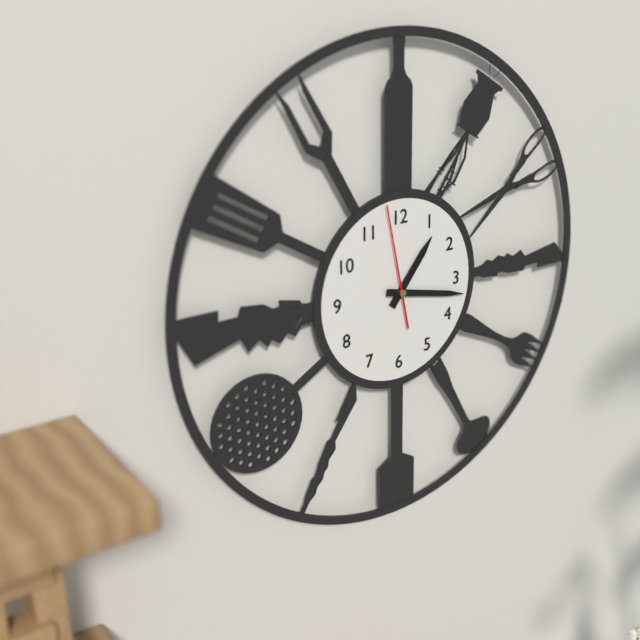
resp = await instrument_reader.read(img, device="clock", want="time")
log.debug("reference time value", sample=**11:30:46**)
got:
**1:17:58**
